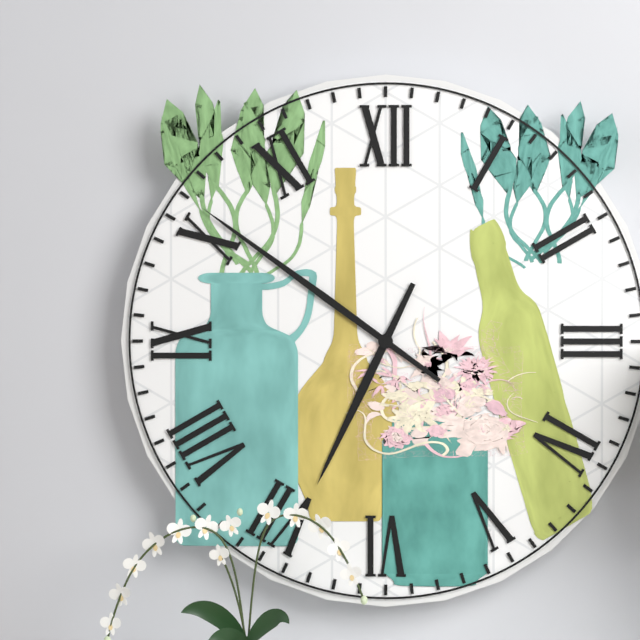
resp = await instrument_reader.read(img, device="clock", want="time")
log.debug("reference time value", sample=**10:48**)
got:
**6:51**
